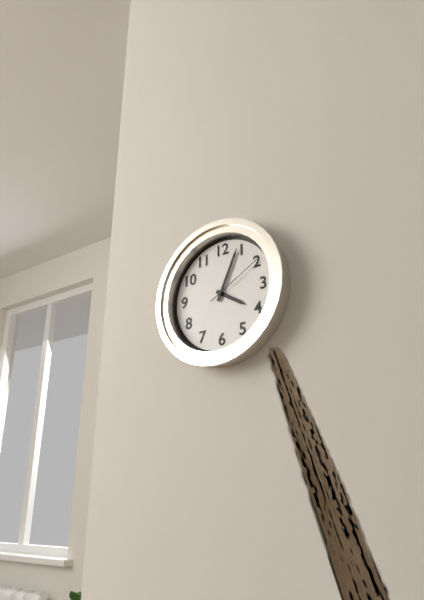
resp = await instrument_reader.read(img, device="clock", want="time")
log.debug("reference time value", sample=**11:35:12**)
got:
**4:04:10**
